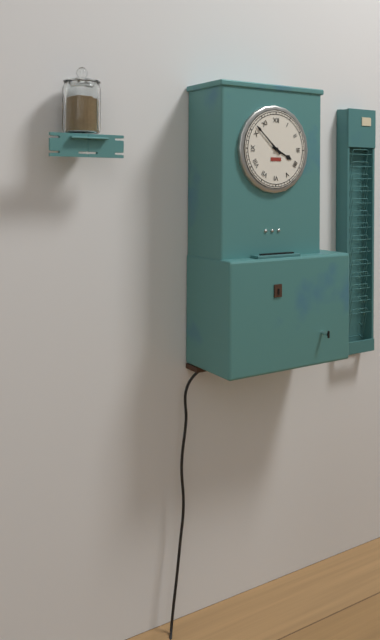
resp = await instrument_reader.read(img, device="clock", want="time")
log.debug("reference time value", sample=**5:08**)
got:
**3:52**
